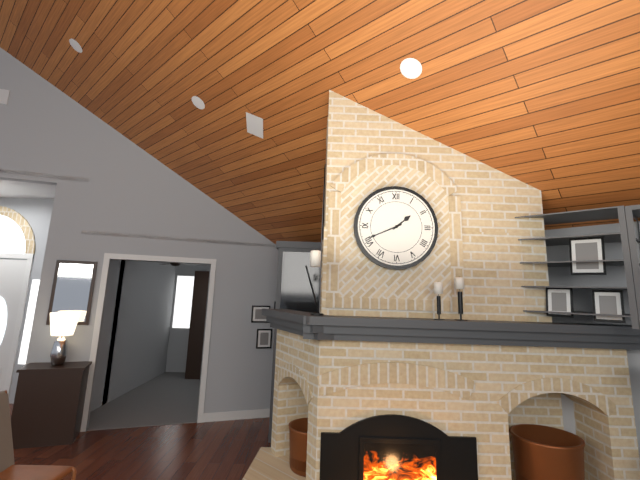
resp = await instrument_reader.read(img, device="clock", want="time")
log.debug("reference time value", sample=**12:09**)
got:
**1:41**
